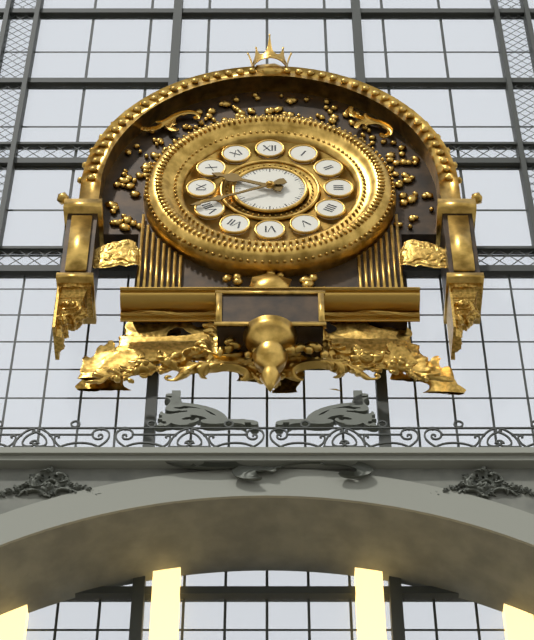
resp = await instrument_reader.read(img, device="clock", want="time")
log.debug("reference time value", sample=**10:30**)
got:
**9:41**
